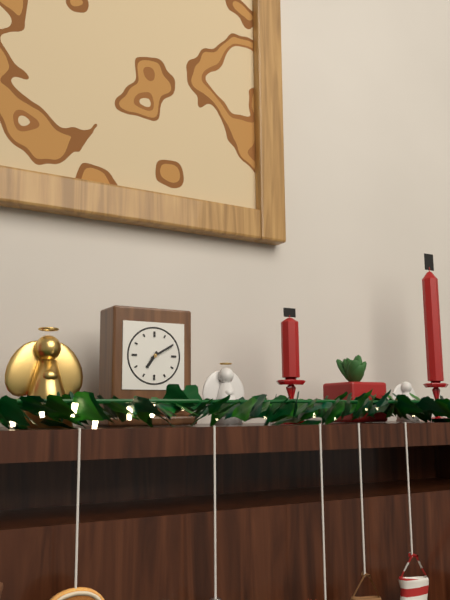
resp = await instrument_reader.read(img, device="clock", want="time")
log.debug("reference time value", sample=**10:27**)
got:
**7:10**
